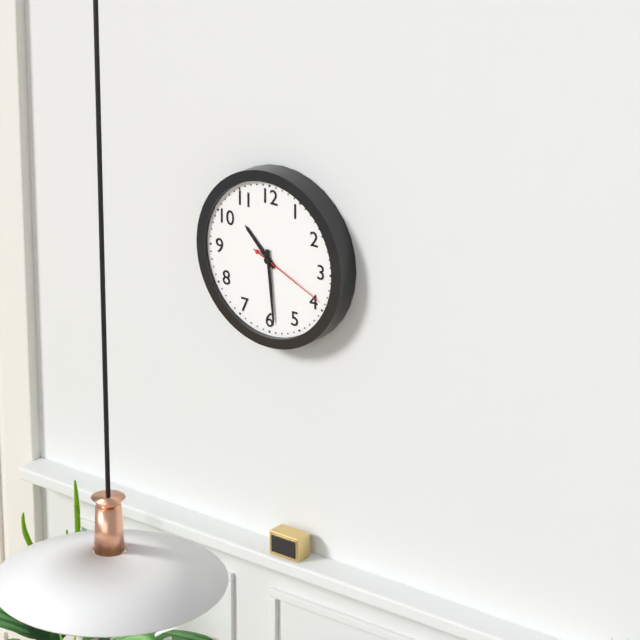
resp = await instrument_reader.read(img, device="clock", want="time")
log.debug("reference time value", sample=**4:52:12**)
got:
**10:29:19**
